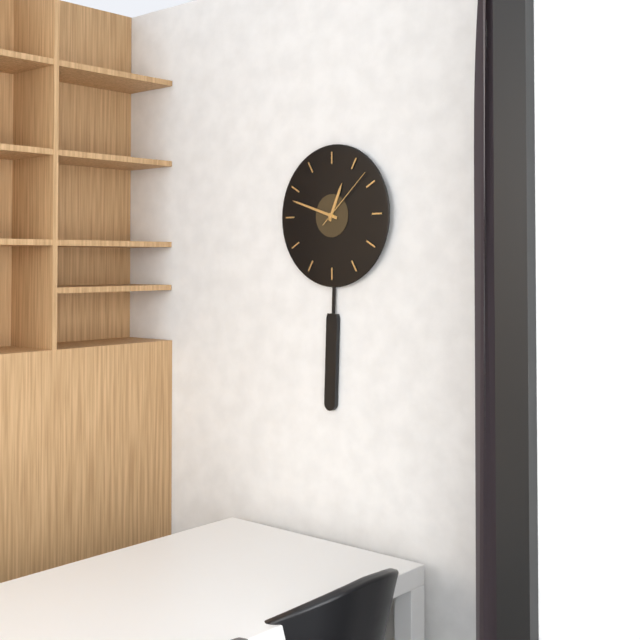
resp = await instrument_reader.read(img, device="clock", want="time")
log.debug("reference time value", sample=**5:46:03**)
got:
**12:48:08**
